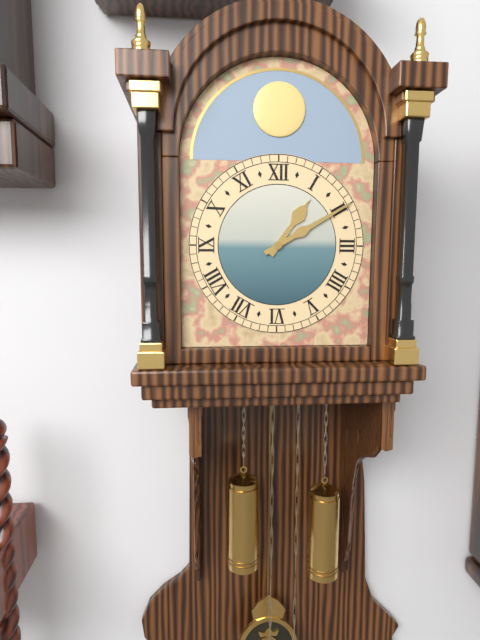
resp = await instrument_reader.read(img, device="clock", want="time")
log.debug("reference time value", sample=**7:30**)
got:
**1:10**
